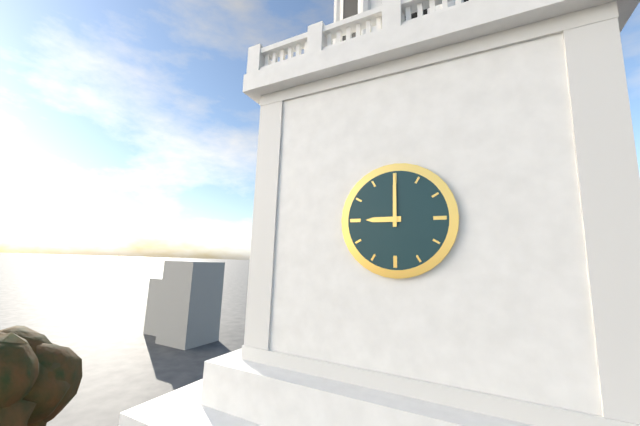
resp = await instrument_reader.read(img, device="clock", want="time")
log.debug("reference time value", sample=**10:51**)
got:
**9:00**
